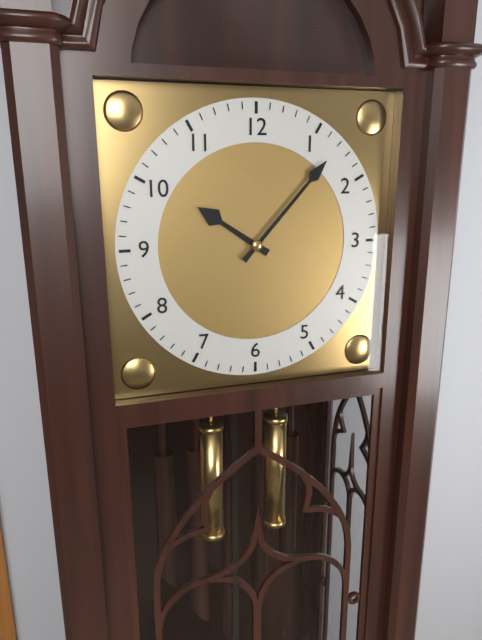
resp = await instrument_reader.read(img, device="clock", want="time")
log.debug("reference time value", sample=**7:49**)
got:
**10:07**
